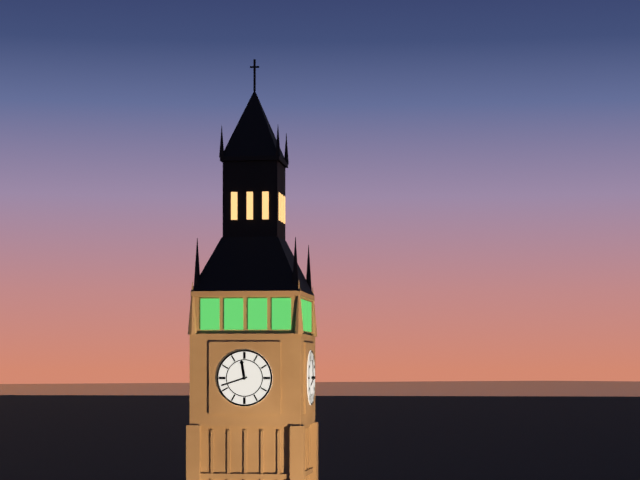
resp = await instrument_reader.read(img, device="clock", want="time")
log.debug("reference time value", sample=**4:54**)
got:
**11:42**
